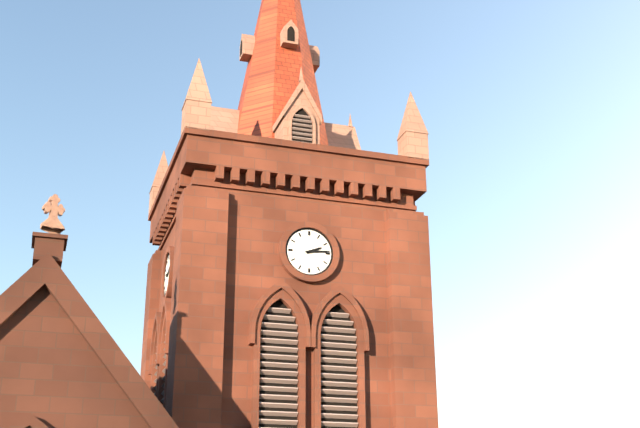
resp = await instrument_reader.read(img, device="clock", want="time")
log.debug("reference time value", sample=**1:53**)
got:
**2:14**
